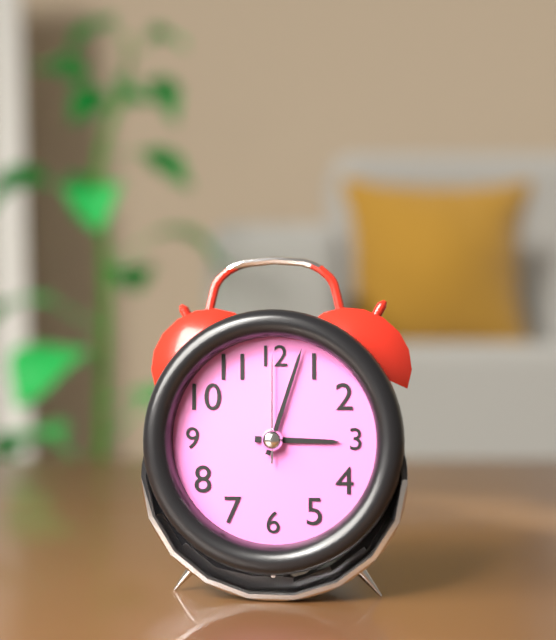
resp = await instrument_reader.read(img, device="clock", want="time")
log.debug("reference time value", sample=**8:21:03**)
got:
**3:03:00**
